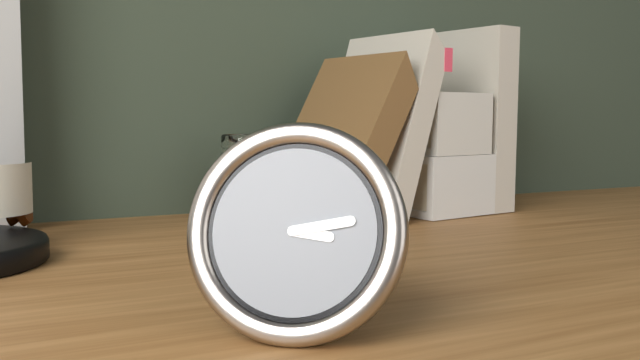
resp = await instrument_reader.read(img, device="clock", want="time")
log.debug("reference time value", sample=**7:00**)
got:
**3:13**
